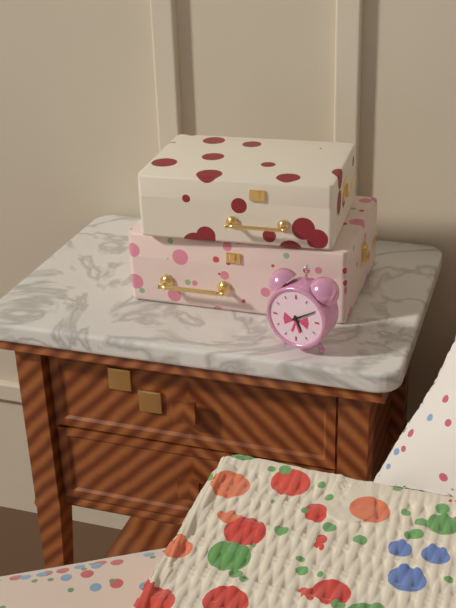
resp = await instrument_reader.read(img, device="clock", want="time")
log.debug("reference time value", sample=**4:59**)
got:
**5:10**
